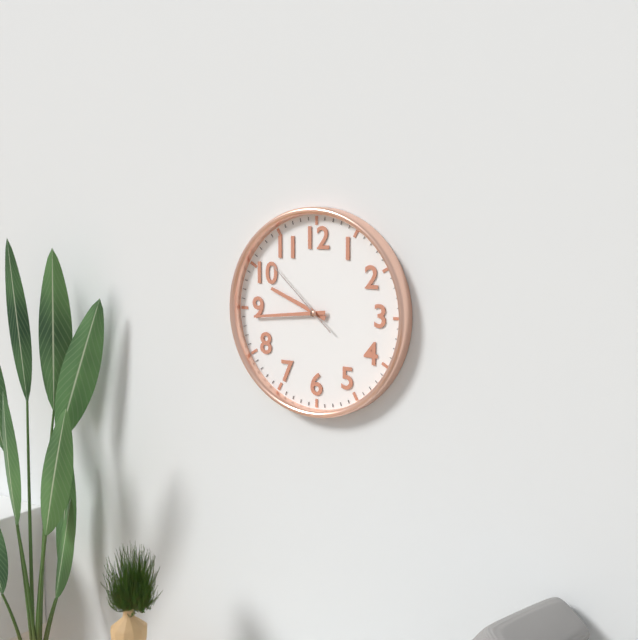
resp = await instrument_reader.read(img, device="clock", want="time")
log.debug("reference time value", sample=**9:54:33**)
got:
**9:44:52**
